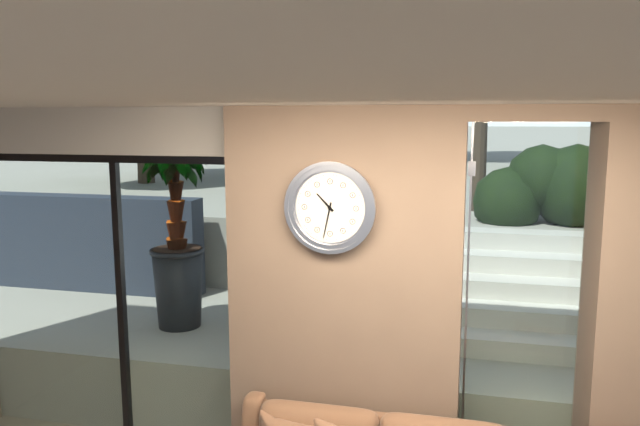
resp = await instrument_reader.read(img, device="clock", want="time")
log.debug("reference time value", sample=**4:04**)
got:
**10:32**
